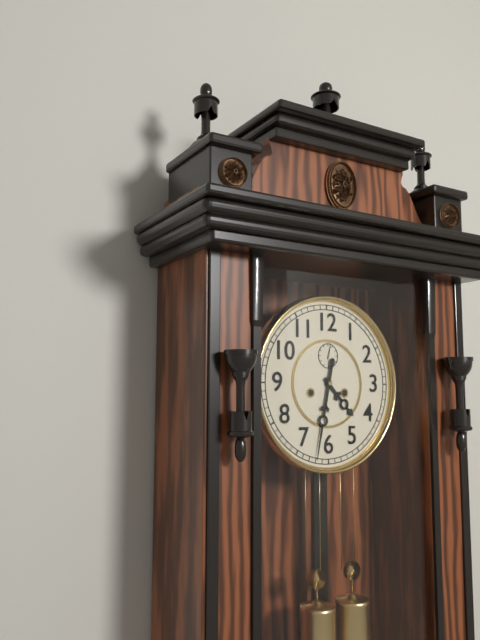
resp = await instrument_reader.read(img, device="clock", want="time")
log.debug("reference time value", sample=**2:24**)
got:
**4:32**
